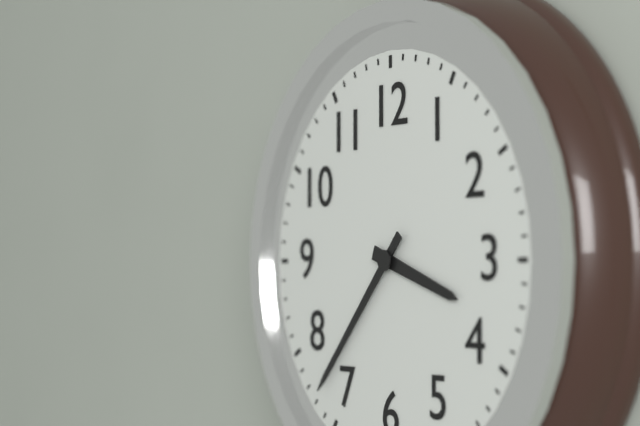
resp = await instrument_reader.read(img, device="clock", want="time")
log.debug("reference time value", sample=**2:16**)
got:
**3:37**
